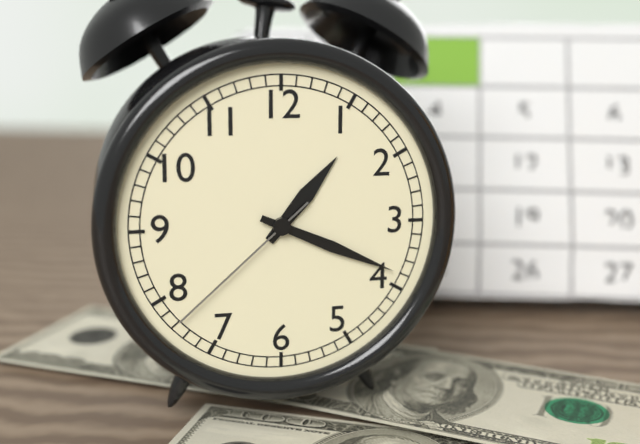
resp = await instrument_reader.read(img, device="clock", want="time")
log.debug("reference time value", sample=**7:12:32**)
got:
**1:19:38**
